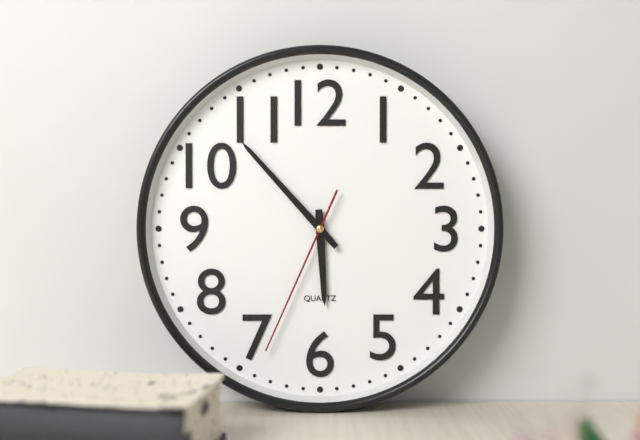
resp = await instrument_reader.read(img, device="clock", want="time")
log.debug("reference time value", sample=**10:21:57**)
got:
**5:53:34**
